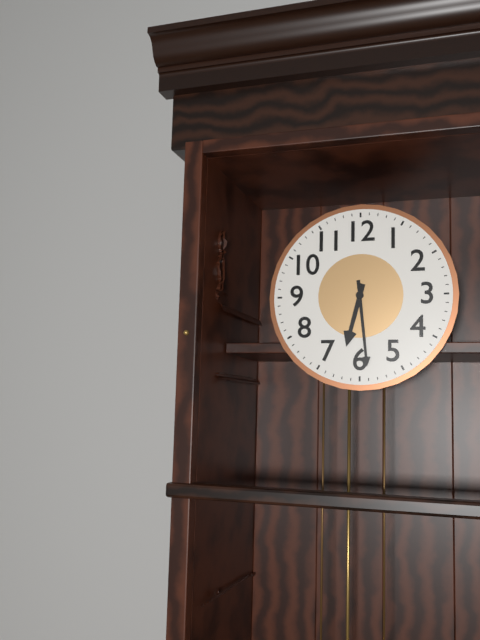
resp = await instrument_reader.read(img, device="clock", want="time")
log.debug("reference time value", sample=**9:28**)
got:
**6:29**
